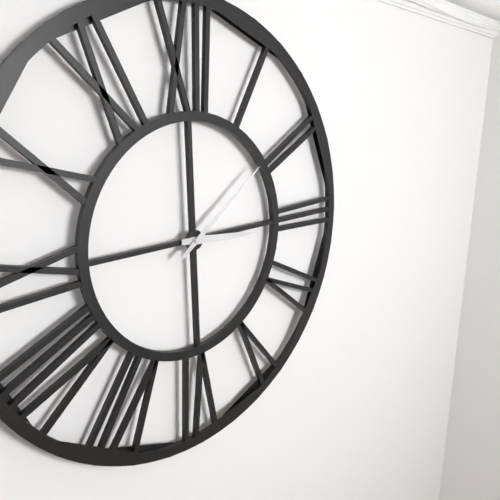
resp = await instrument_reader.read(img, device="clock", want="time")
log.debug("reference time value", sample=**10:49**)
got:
**3:09**
